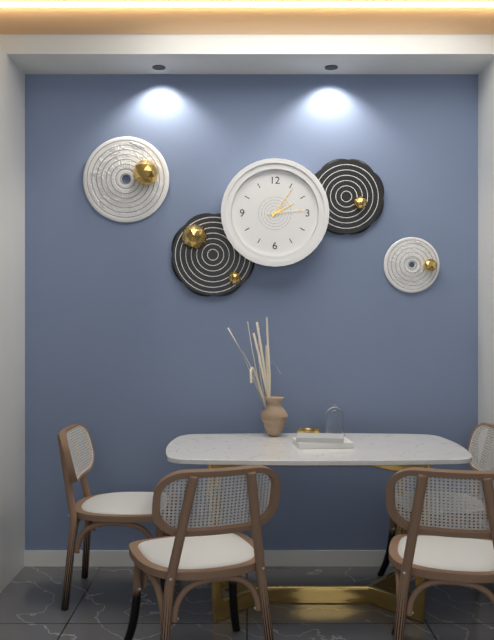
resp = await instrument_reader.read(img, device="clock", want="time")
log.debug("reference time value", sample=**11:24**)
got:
**2:06**
